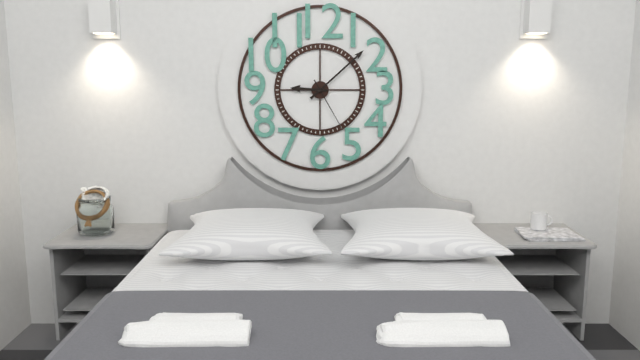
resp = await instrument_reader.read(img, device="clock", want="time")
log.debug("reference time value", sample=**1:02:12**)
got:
**9:08:25**
